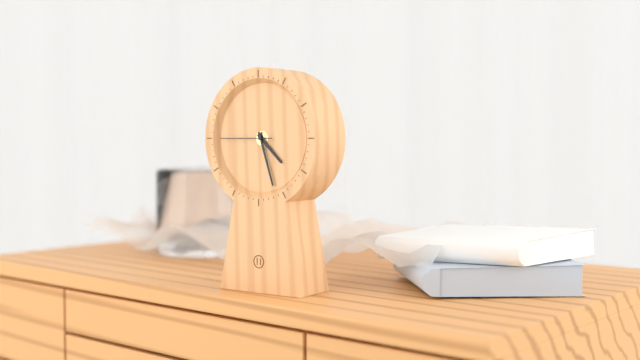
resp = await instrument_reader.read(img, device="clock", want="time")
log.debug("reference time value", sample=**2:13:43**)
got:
**4:27:45**
